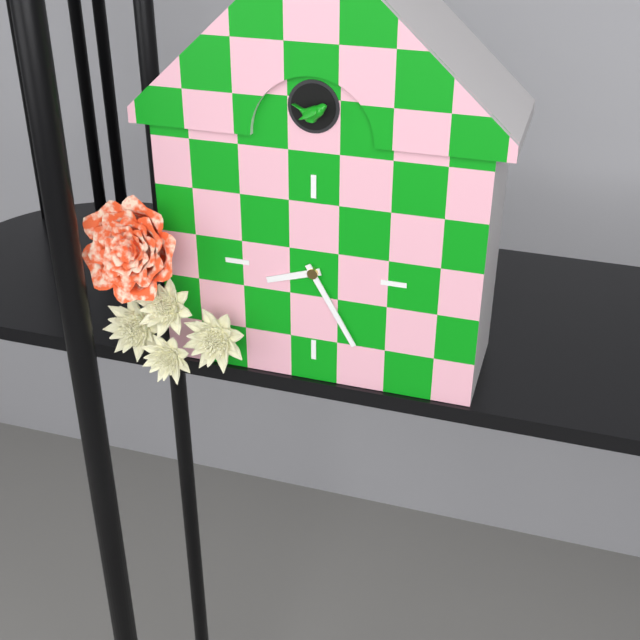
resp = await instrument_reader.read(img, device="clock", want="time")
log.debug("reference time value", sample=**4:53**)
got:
**8:25**
